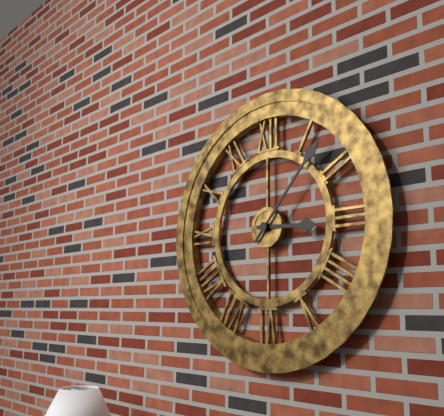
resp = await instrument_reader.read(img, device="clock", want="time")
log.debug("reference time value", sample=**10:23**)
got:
**3:07**
